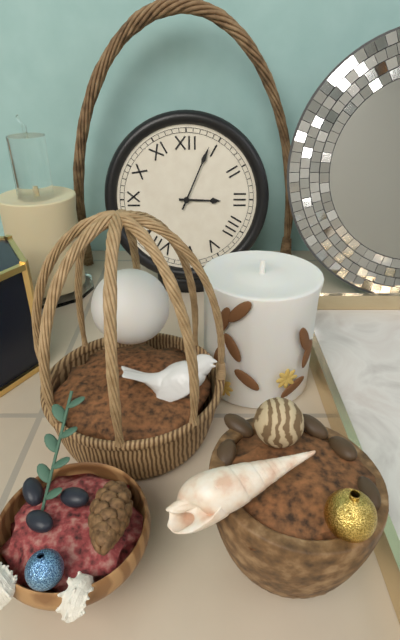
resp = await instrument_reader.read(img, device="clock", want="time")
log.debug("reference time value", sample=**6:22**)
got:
**3:04**
